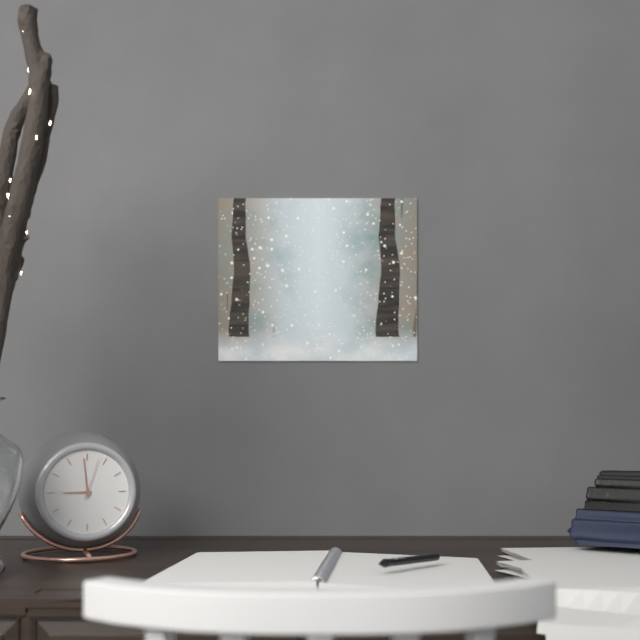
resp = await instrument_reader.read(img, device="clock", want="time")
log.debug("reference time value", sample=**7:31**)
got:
**8:59**
